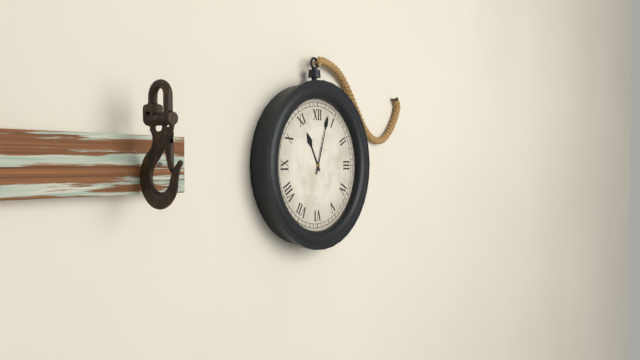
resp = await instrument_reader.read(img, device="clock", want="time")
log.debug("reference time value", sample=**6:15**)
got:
**11:03**
